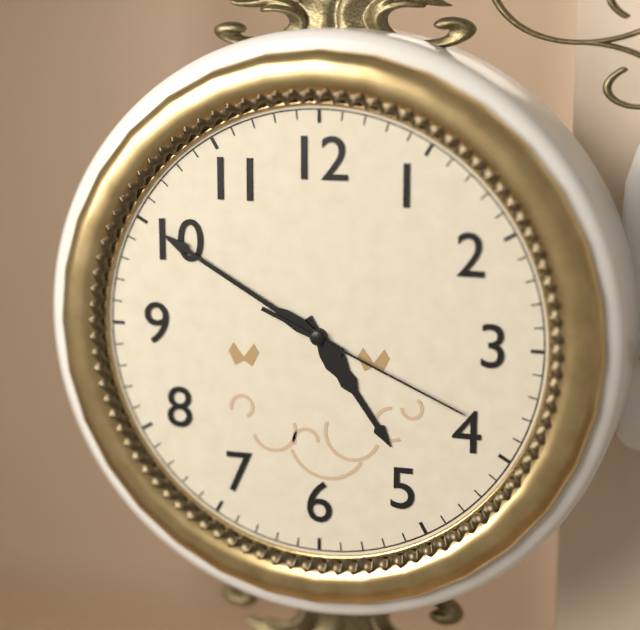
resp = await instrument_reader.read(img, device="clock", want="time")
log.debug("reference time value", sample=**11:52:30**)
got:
**4:50:19**
